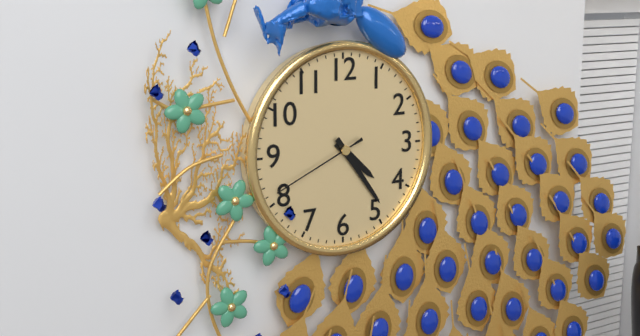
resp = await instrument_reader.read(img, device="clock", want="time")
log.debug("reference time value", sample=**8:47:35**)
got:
**4:24:41**
